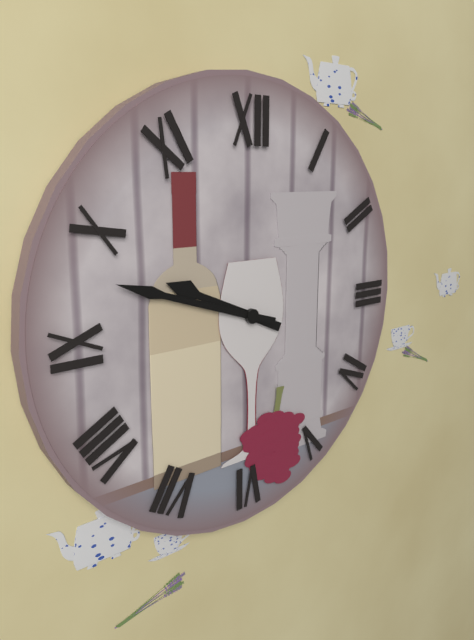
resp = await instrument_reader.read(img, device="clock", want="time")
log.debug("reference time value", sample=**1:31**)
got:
**9:48**
